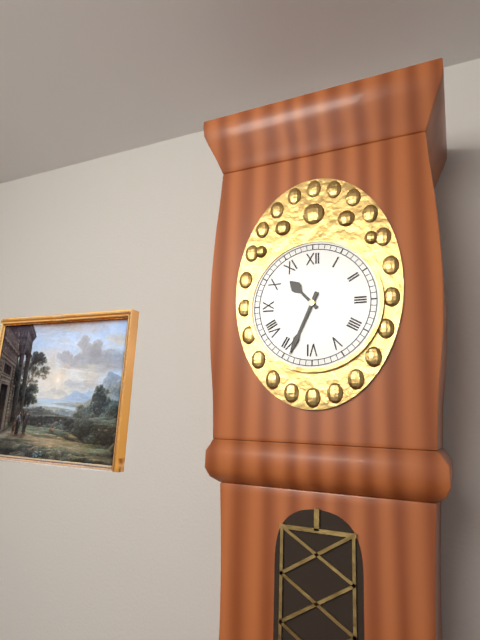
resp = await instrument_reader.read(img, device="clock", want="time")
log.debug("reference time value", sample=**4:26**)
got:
**10:34**
